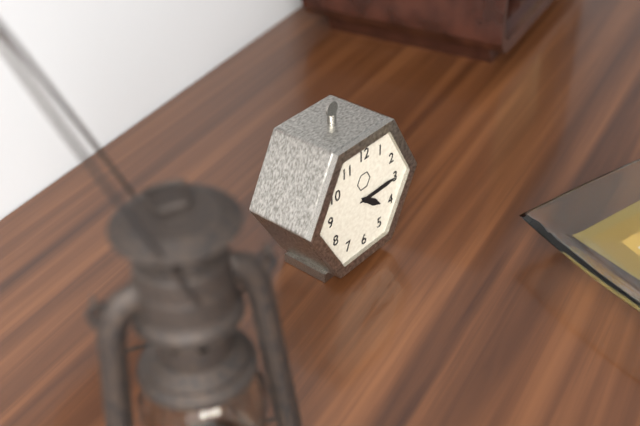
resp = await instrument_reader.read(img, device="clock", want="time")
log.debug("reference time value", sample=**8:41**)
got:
**4:15**
